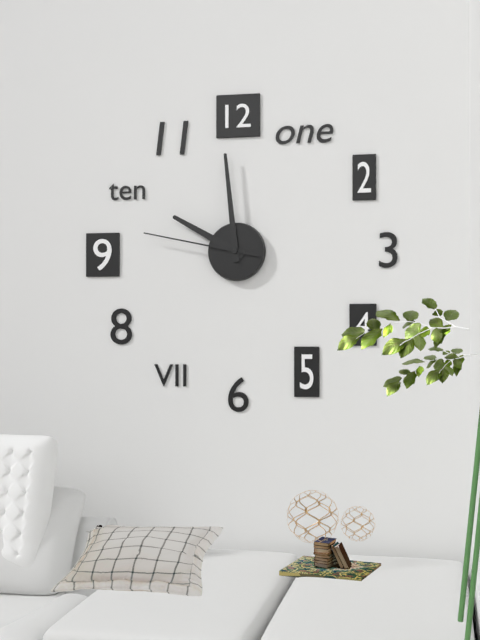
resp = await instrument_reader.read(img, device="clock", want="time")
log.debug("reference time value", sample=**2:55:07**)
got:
**9:59:47**
